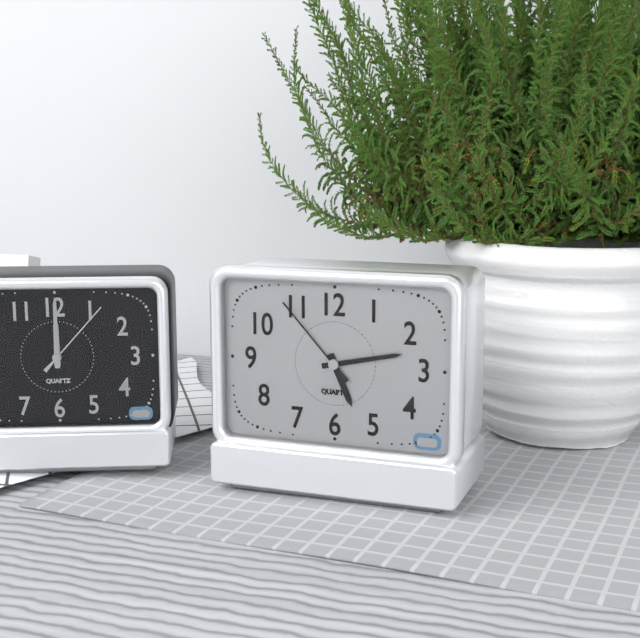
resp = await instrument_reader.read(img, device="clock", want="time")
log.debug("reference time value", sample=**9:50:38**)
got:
**5:13:53**
